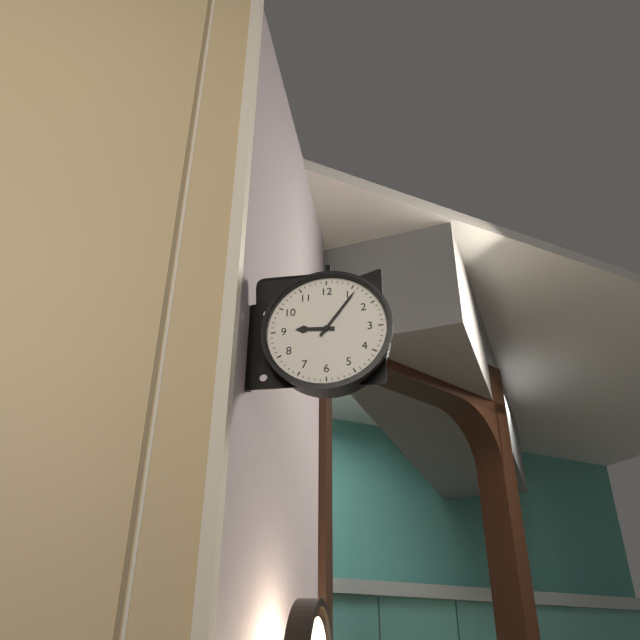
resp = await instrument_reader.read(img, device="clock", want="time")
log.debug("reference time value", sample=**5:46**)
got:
**9:06**
